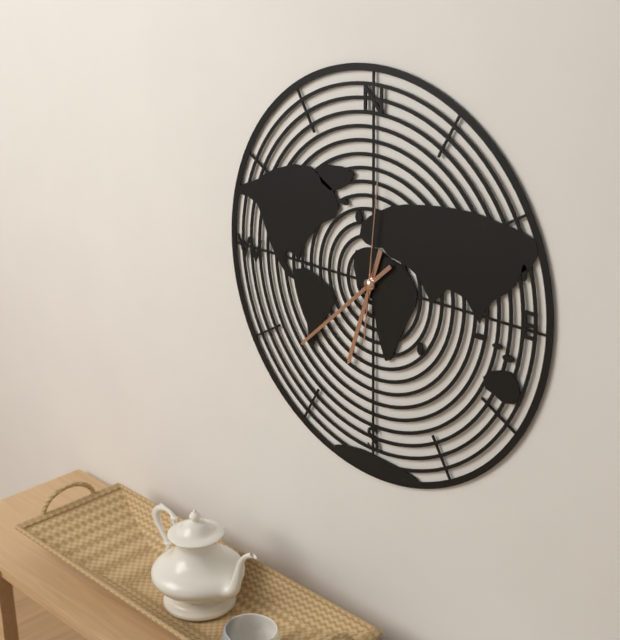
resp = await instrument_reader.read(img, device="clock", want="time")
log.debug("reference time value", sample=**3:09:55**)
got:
**6:38:01**
